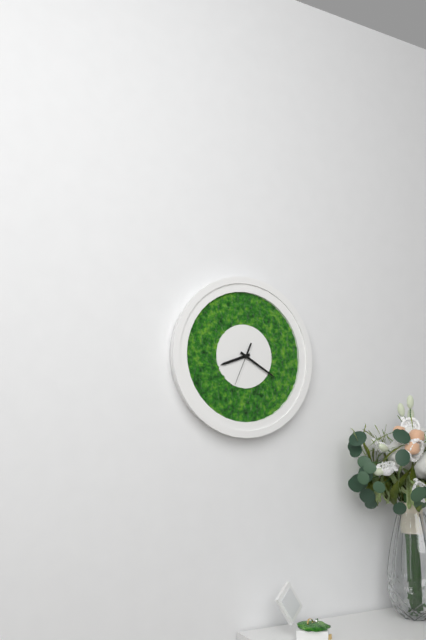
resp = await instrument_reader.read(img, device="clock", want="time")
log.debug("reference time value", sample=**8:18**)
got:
**8:20**
